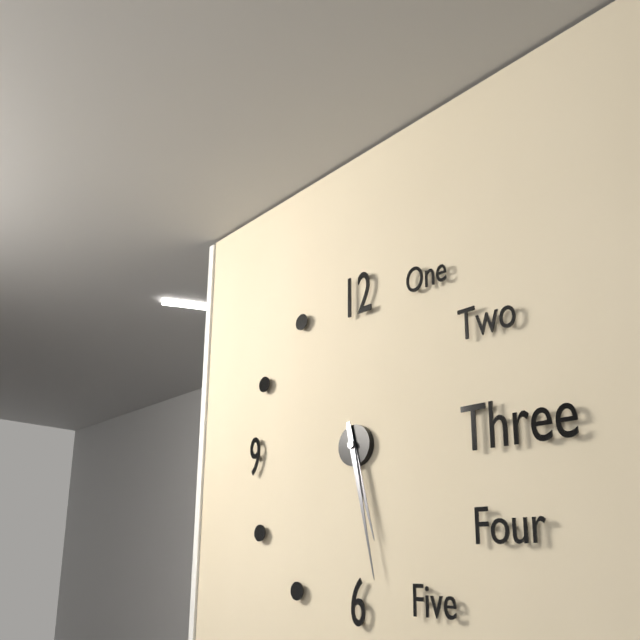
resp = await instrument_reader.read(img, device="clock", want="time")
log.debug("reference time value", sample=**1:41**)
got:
**5:28**
